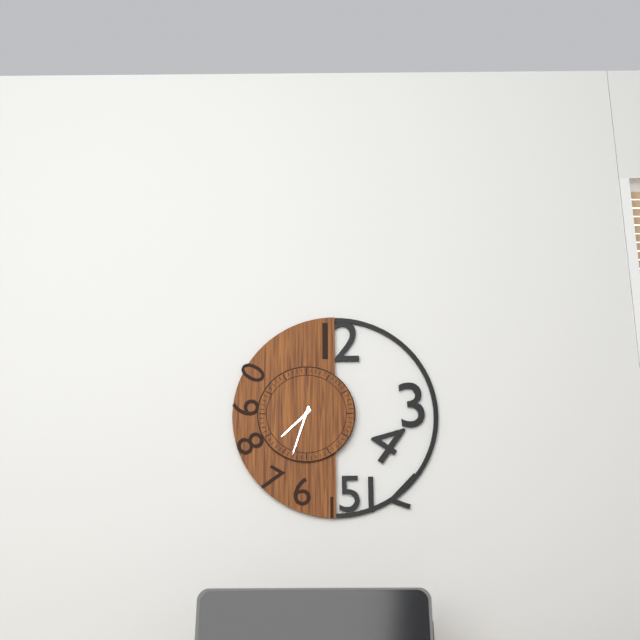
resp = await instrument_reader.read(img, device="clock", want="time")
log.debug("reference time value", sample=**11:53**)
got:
**7:33**
